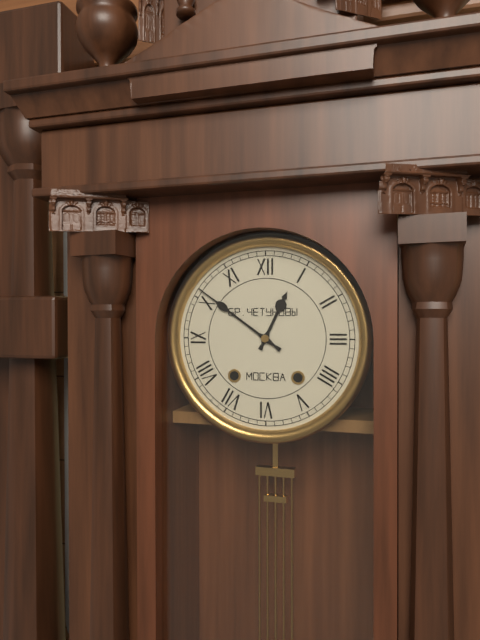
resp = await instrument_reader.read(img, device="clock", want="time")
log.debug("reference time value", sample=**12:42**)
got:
**12:51**
